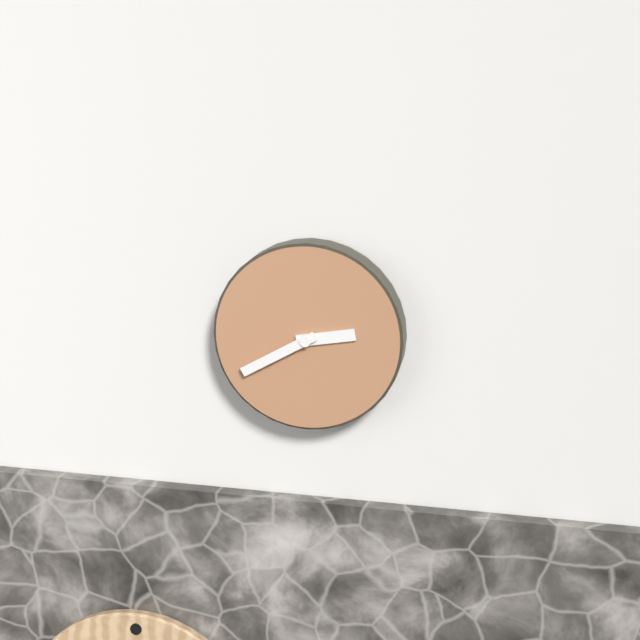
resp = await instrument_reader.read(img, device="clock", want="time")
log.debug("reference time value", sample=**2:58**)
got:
**2:40**
